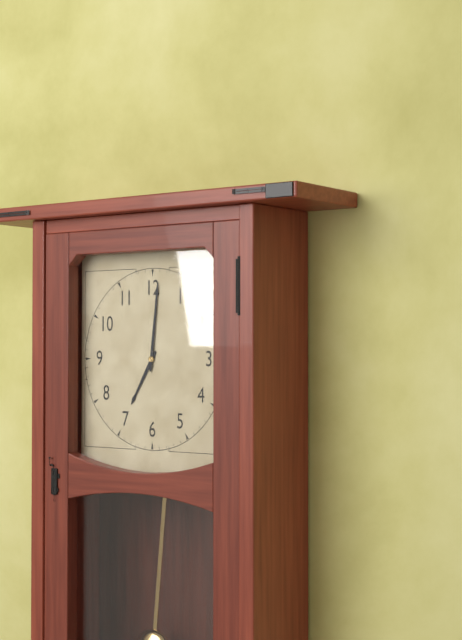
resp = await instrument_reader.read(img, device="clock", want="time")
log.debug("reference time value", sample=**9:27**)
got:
**7:01**
